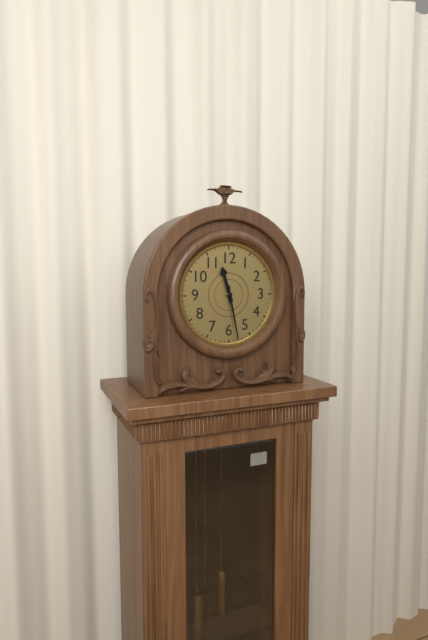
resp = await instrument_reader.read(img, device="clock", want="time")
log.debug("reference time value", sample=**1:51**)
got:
**11:28**
